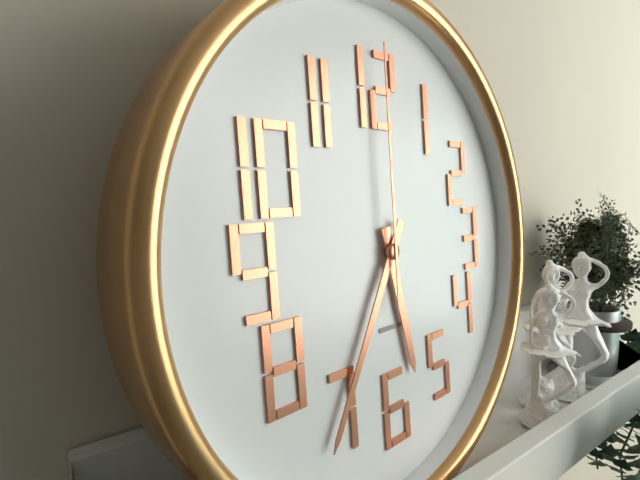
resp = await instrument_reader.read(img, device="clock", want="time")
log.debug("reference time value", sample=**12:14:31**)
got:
**5:35:00**
